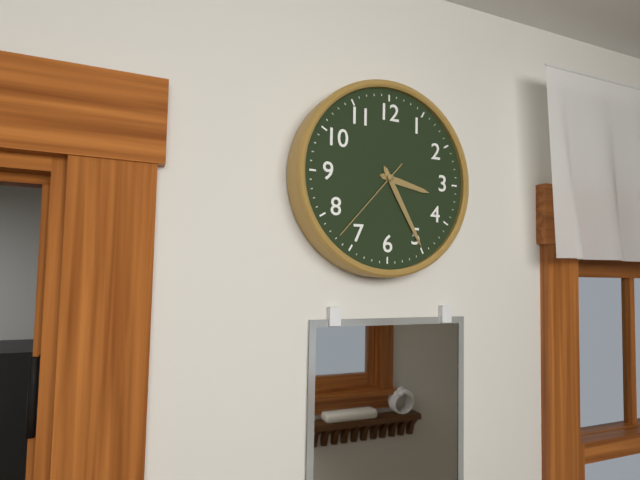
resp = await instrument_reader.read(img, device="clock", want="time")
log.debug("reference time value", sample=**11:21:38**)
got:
**3:25:37**
